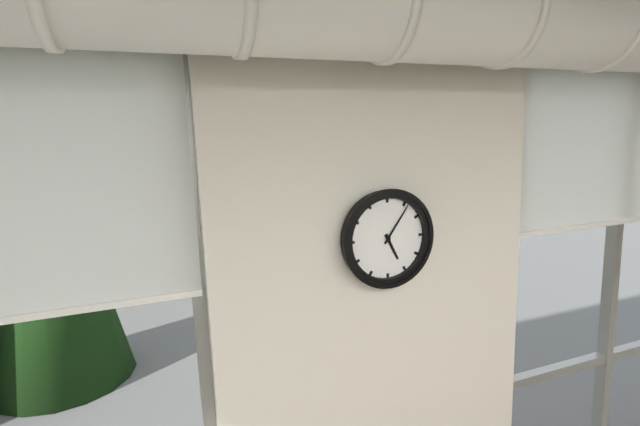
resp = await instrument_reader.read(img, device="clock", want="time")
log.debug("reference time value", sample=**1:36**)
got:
**5:06**
